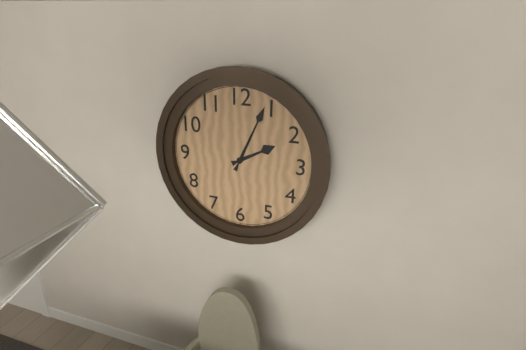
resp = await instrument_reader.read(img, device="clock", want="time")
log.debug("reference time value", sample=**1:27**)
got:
**2:04**
